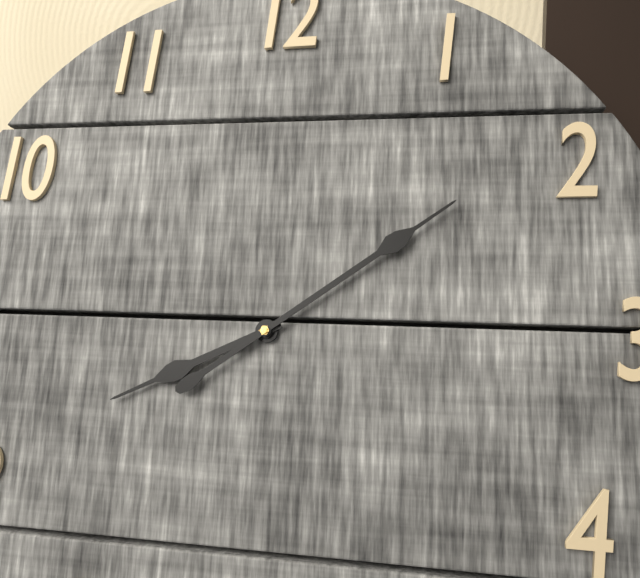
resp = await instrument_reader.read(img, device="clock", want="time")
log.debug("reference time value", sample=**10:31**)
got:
**8:09**
